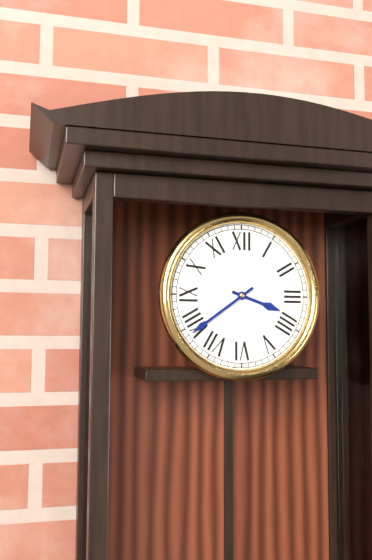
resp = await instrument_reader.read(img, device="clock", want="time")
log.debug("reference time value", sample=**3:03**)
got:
**3:39**
